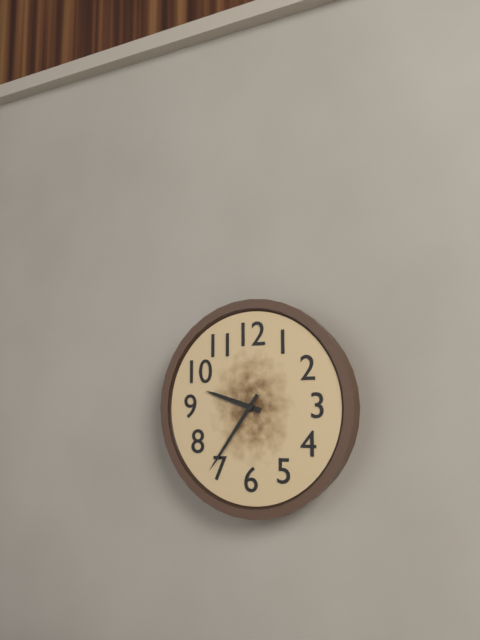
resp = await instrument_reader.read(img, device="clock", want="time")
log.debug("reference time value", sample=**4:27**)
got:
**9:36**
